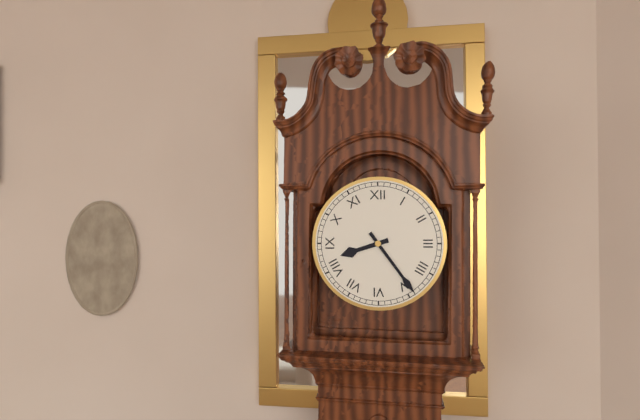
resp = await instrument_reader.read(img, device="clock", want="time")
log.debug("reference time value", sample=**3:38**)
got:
**8:24**
